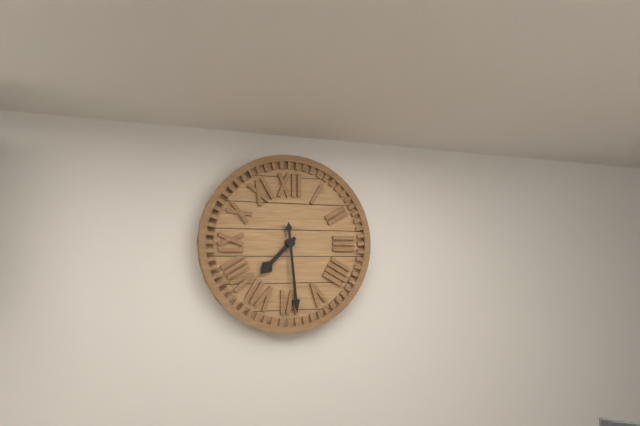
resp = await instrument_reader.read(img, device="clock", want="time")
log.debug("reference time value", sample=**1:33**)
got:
**7:29**
